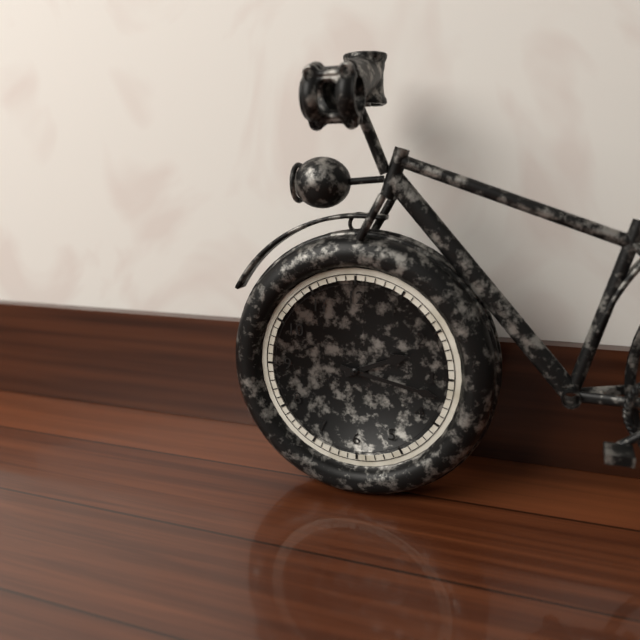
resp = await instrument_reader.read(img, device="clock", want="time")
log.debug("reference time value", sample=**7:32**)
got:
**2:17**
